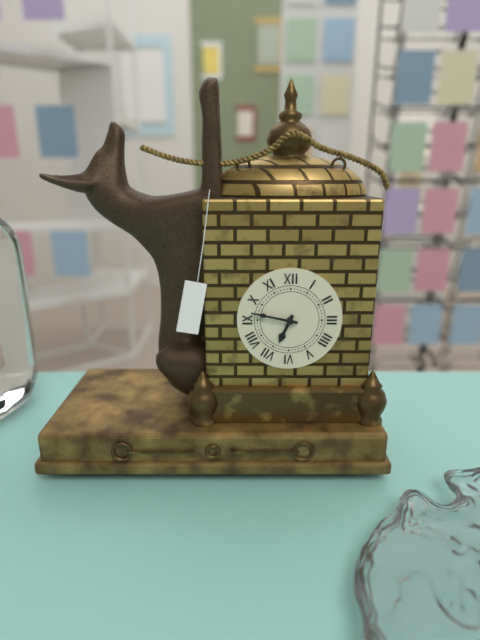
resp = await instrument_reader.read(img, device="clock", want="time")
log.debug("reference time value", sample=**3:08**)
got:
**6:47**
